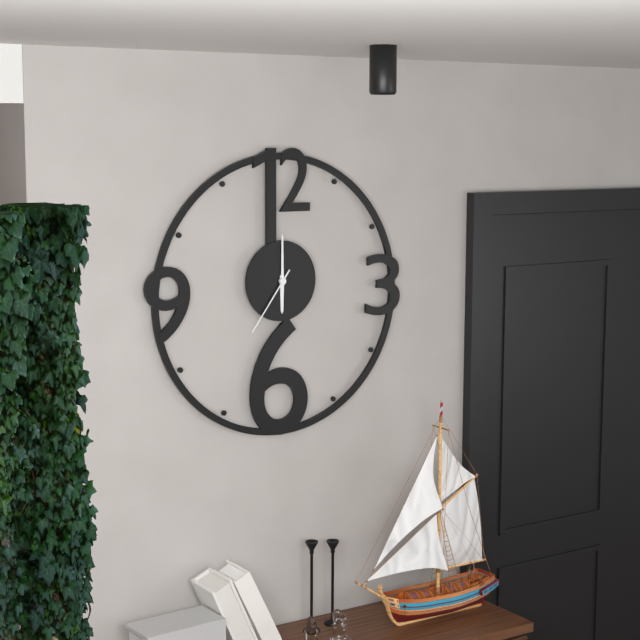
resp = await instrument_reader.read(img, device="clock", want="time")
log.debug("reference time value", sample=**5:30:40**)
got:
**6:00:36**
